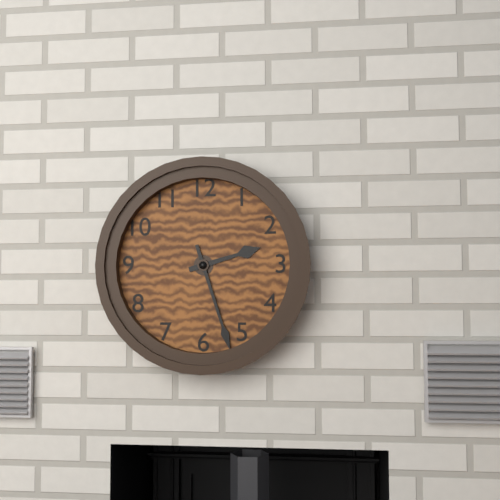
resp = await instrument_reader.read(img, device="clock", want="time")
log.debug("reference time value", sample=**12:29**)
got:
**2:27**
